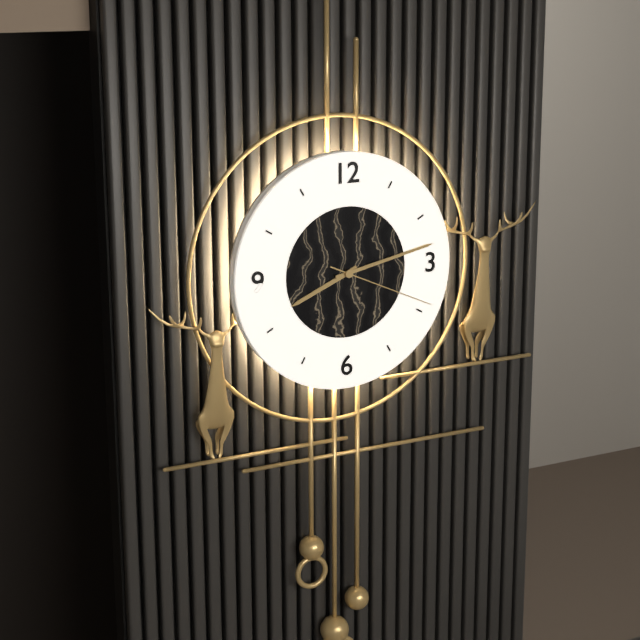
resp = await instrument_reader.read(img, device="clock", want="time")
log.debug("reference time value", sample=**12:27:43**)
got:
**8:13:19**
